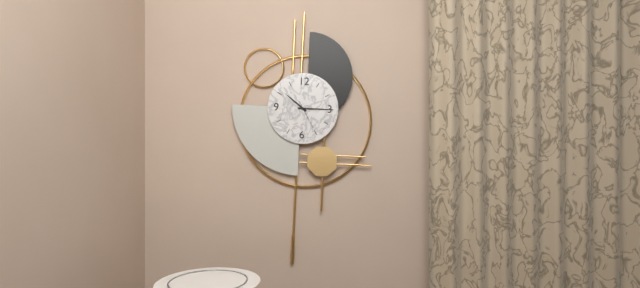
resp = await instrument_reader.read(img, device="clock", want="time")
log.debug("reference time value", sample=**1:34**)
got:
**10:15**
